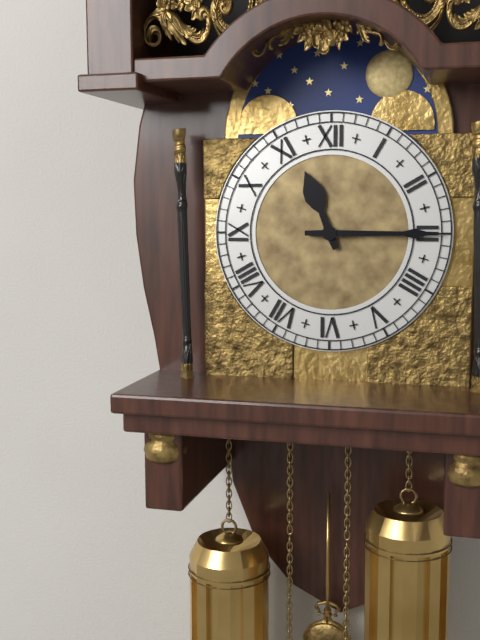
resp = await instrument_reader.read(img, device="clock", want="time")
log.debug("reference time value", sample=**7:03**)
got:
**11:15**
